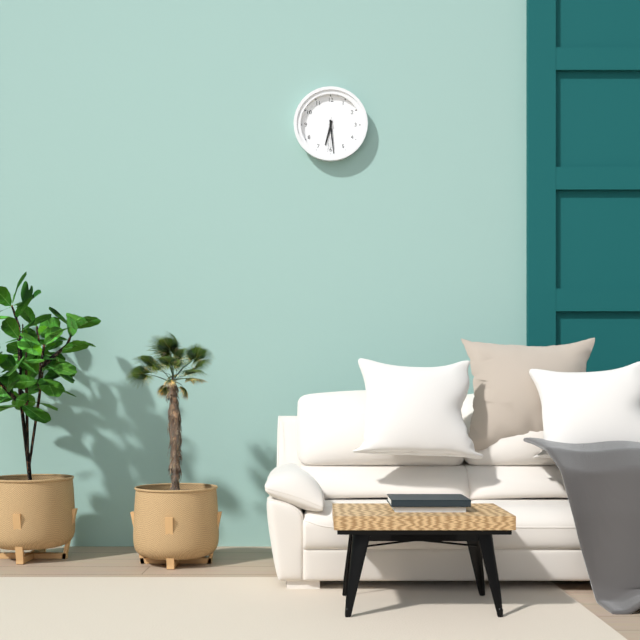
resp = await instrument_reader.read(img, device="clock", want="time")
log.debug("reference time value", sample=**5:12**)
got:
**6:29**
